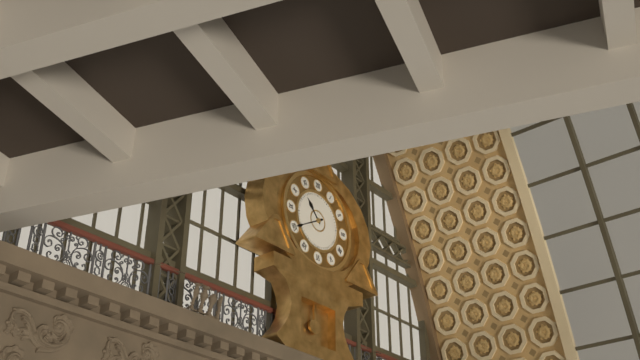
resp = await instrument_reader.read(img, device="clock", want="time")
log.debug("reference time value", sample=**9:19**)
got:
**10:40**
